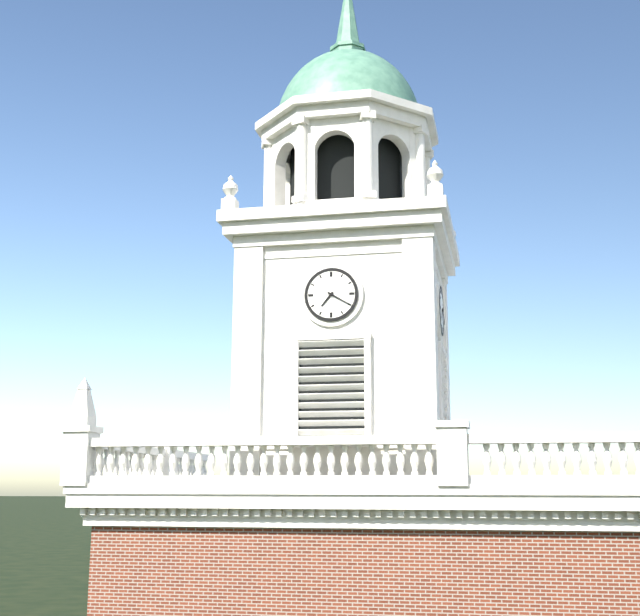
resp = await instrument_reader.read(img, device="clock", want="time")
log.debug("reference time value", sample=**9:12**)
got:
**7:20**
